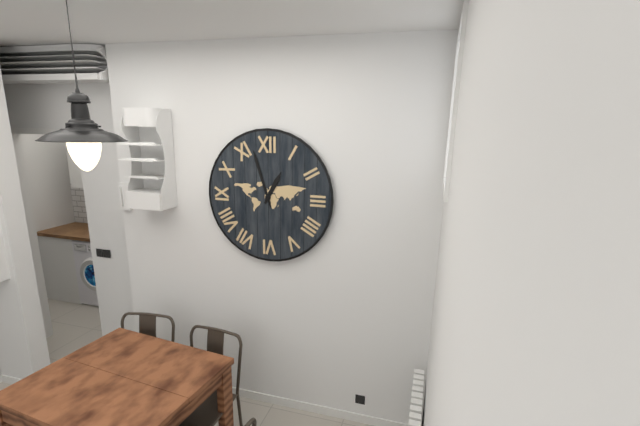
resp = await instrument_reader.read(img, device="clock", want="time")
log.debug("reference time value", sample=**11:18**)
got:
**12:57**
